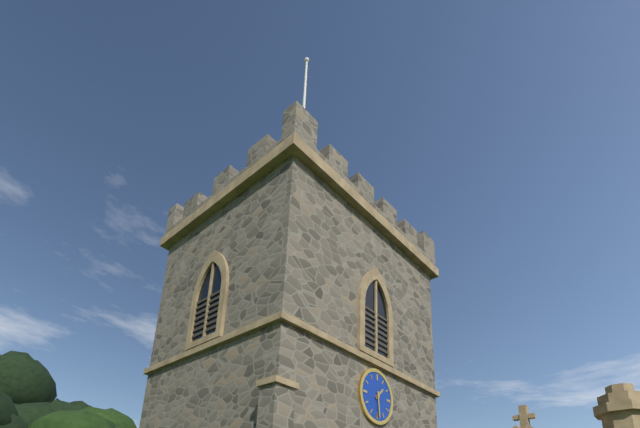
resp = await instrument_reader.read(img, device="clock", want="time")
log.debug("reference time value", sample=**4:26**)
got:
**1:29**
